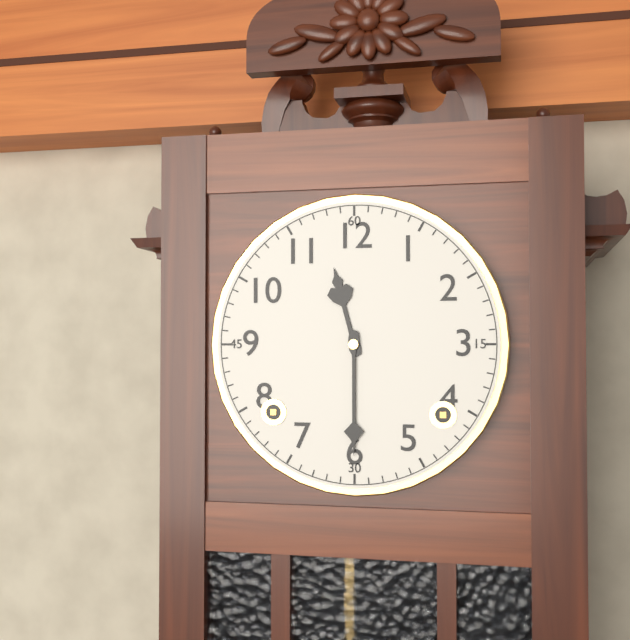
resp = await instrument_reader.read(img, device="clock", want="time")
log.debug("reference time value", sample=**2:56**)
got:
**11:30**
